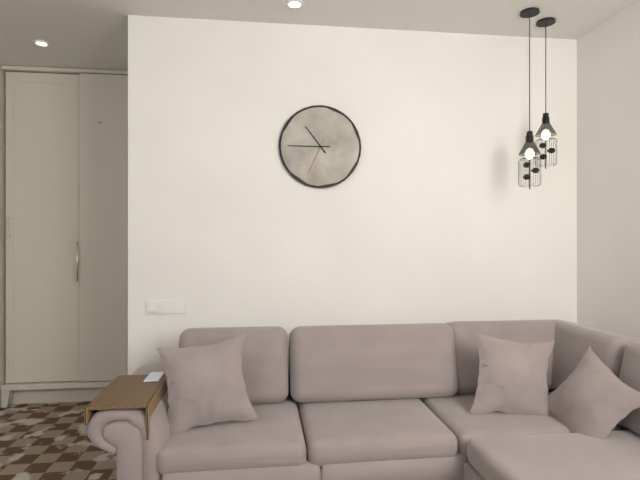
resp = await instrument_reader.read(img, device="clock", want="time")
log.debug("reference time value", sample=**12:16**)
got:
**10:45**
